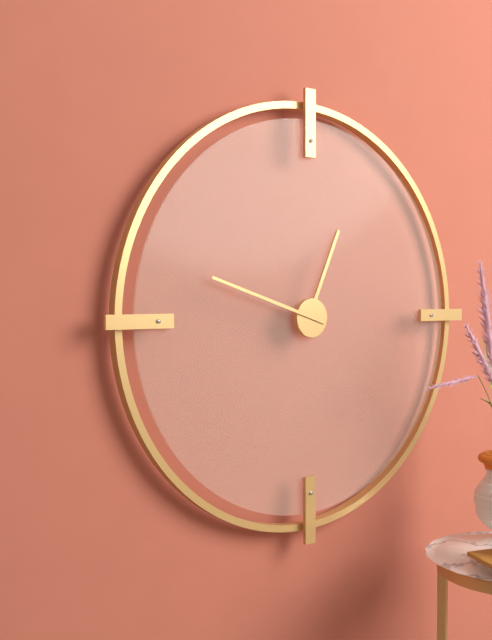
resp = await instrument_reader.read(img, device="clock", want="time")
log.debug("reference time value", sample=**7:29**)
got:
**12:48**
